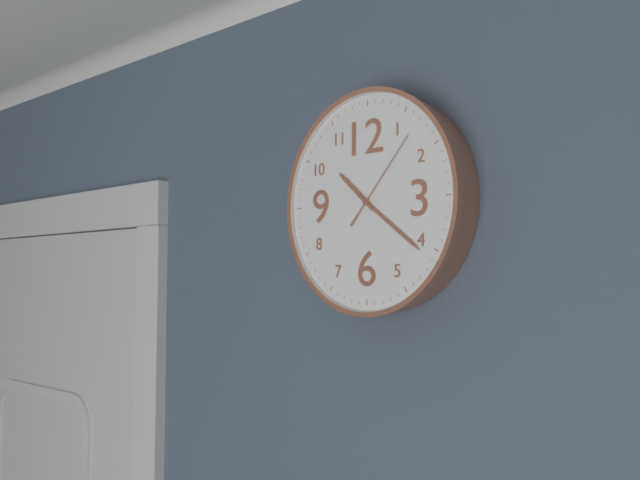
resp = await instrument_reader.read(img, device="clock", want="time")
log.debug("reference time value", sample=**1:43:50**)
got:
**10:21:07**
